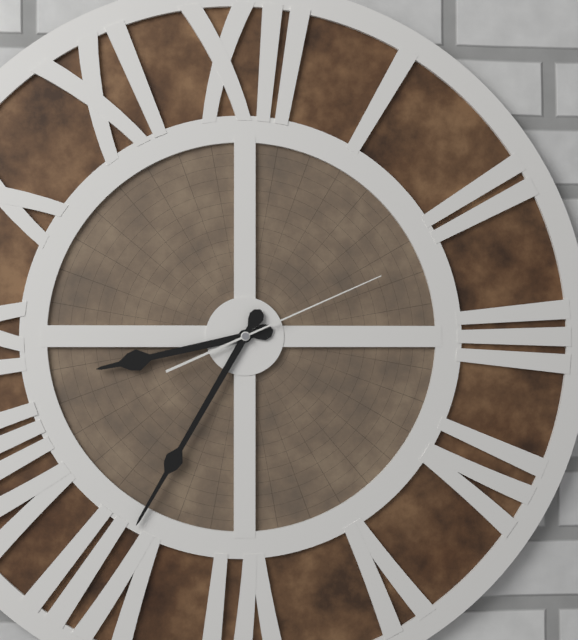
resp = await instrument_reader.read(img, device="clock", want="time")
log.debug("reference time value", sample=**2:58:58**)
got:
**8:35:11**
